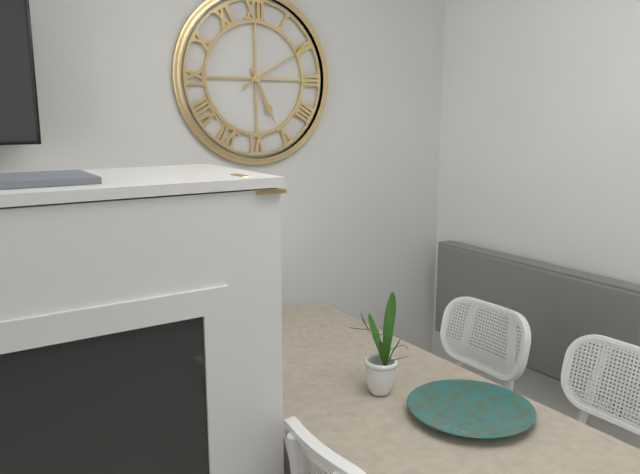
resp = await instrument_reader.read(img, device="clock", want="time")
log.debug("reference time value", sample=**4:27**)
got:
**5:10**
